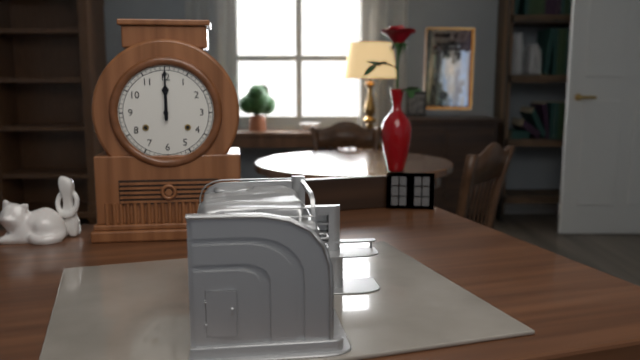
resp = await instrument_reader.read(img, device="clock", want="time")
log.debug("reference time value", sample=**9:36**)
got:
**12:00**
